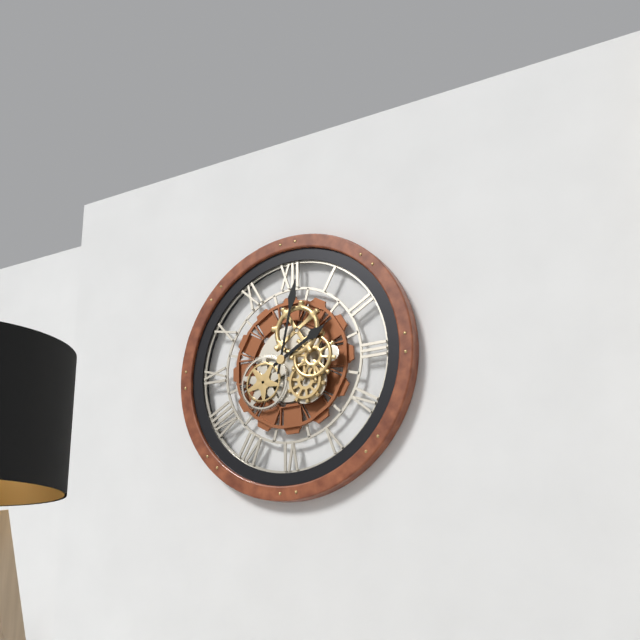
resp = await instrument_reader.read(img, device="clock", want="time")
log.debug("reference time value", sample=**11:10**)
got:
**2:02**
